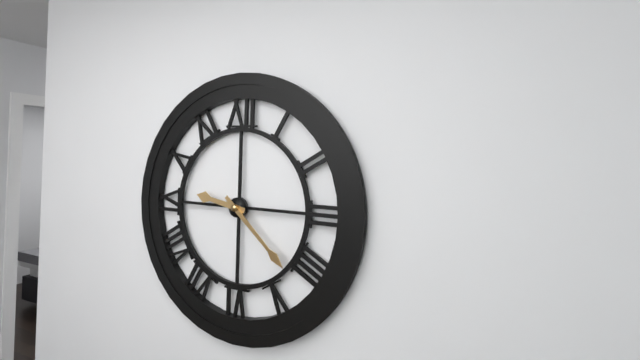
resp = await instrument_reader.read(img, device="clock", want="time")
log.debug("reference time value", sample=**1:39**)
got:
**9:22**
